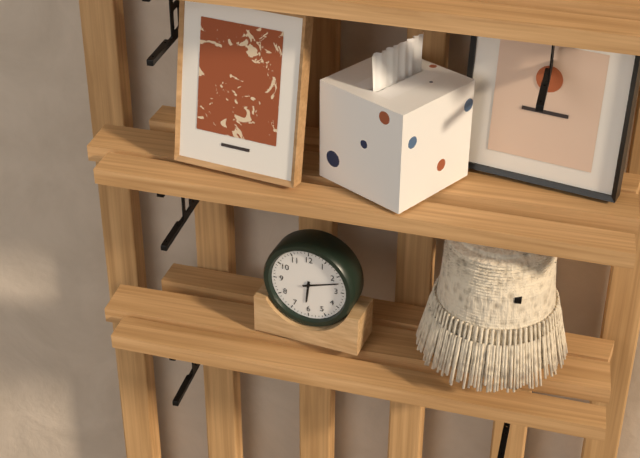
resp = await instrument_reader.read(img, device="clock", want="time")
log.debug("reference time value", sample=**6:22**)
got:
**6:12**
